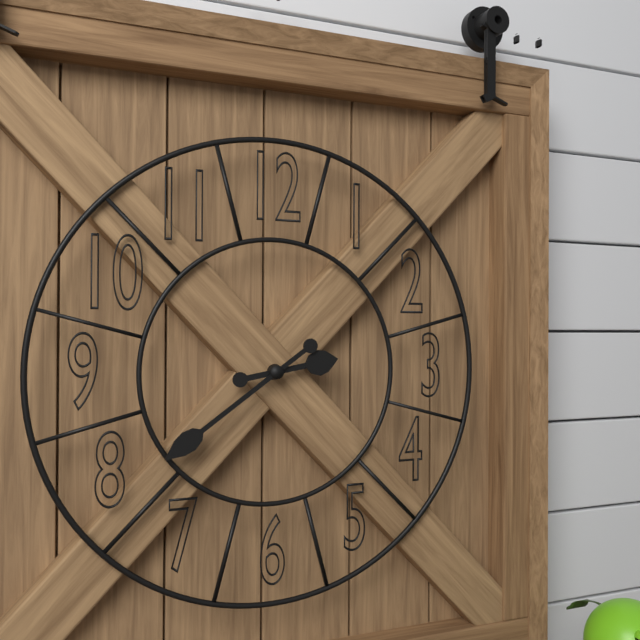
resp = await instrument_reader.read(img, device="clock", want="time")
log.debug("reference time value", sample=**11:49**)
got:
**2:39**
